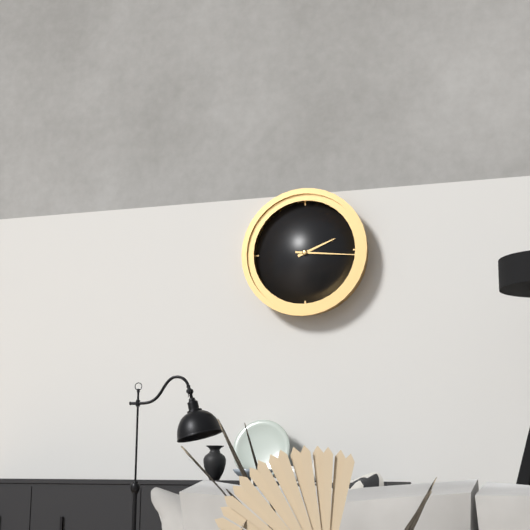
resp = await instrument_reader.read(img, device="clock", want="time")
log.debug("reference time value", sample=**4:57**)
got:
**2:16**
